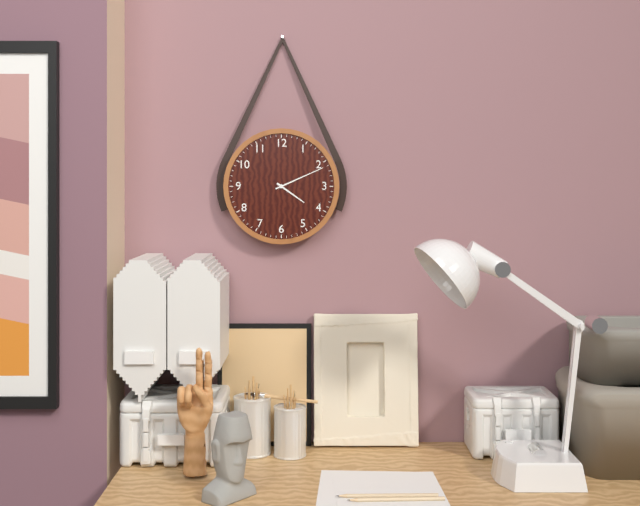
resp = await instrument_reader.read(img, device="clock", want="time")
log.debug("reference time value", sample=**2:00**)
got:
**4:11**
